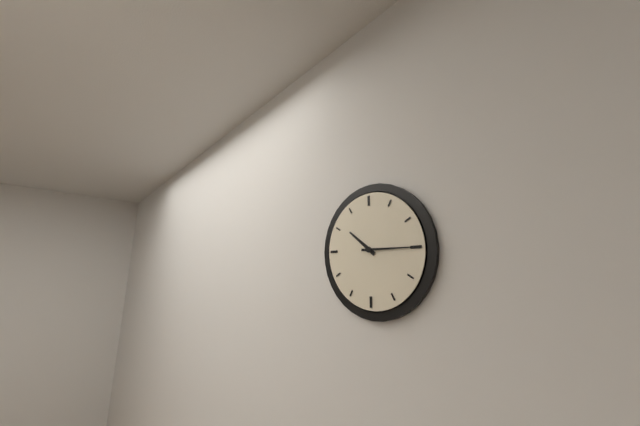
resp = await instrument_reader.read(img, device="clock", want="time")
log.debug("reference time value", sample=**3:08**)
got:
**10:15**
